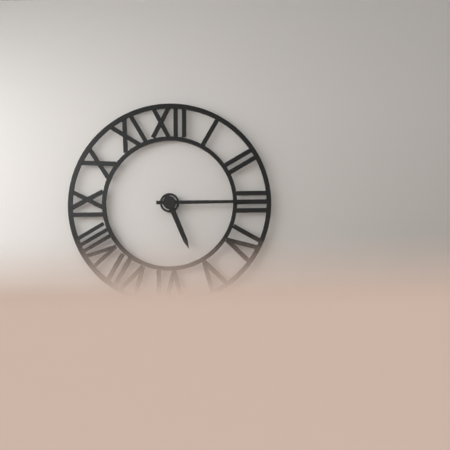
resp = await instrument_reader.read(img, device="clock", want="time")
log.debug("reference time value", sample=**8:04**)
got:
**5:15**
